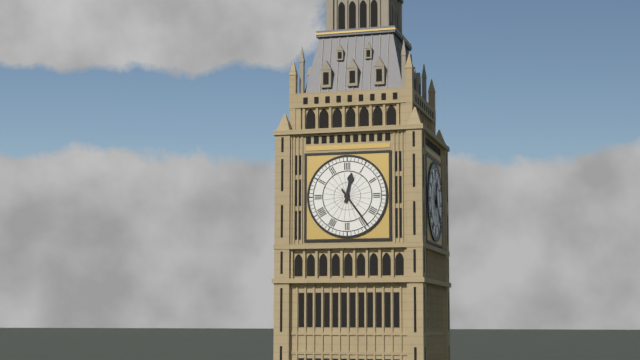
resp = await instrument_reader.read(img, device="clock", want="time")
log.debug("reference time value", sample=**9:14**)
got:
**12:24**
